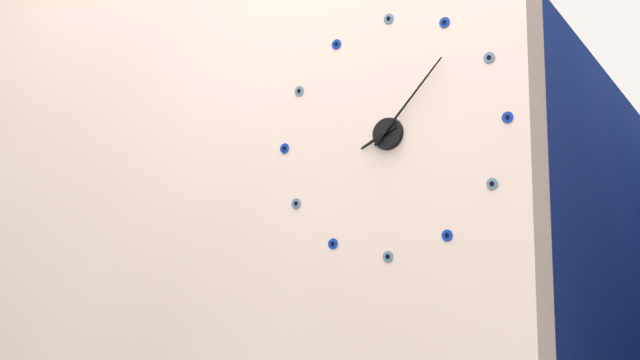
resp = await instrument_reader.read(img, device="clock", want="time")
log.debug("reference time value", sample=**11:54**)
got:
**8:07**
